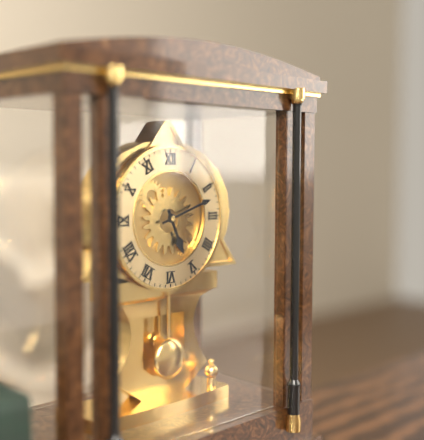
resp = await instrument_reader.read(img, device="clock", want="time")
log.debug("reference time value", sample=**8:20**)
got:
**5:12**
